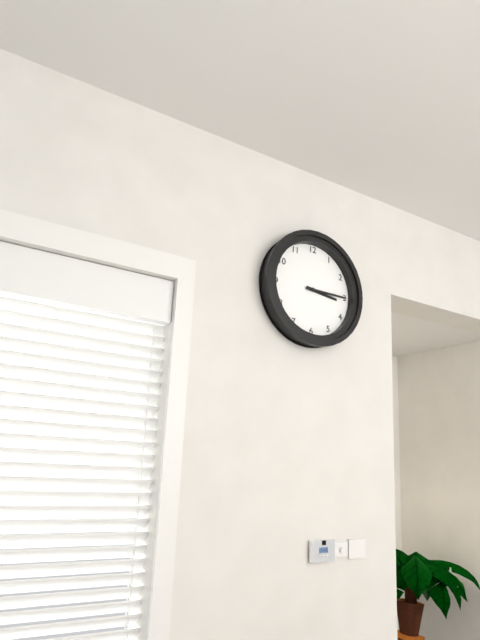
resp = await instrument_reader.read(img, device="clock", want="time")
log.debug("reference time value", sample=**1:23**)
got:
**3:15**
